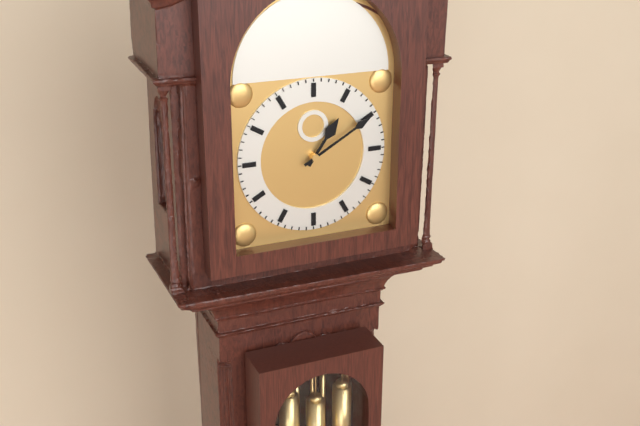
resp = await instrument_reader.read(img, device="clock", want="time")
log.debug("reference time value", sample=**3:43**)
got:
**1:10**
